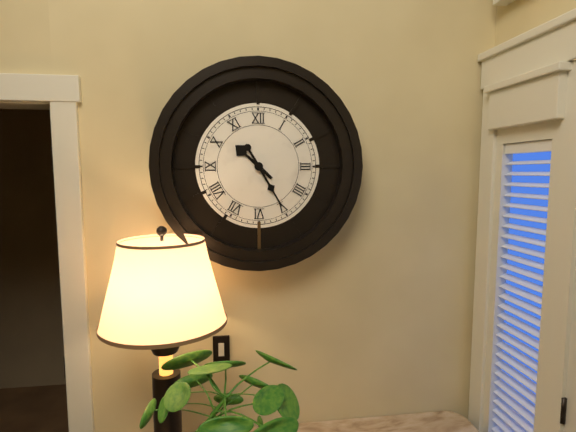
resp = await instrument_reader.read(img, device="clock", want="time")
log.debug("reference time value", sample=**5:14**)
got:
**10:25**
